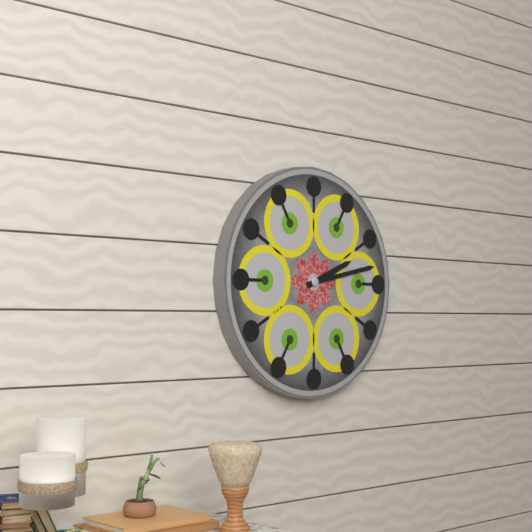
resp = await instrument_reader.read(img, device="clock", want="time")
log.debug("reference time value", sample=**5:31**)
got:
**2:13**
